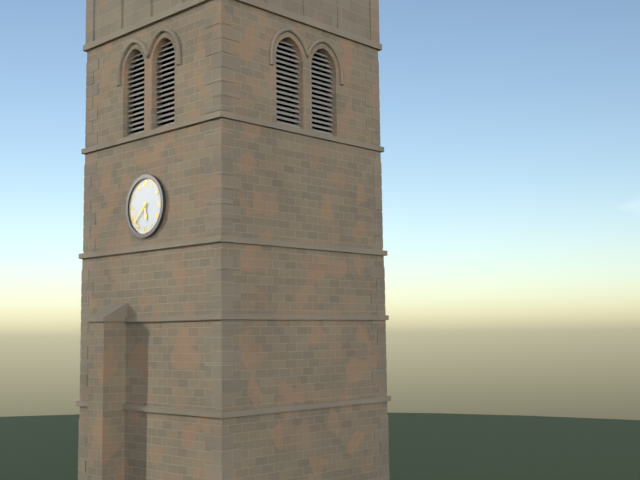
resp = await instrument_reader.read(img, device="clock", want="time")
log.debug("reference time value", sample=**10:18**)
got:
**5:38**
